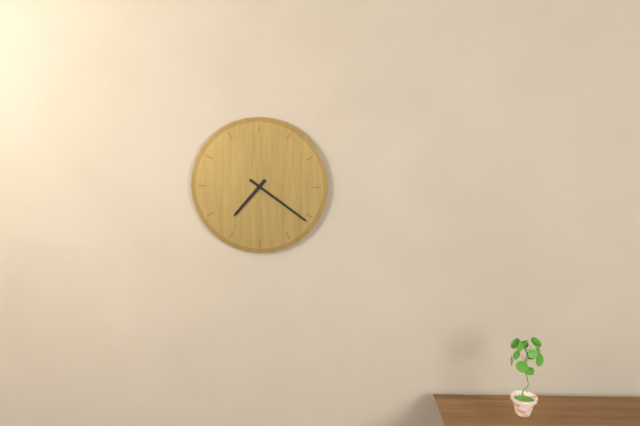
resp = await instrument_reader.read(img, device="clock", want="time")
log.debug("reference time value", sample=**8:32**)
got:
**7:21**
